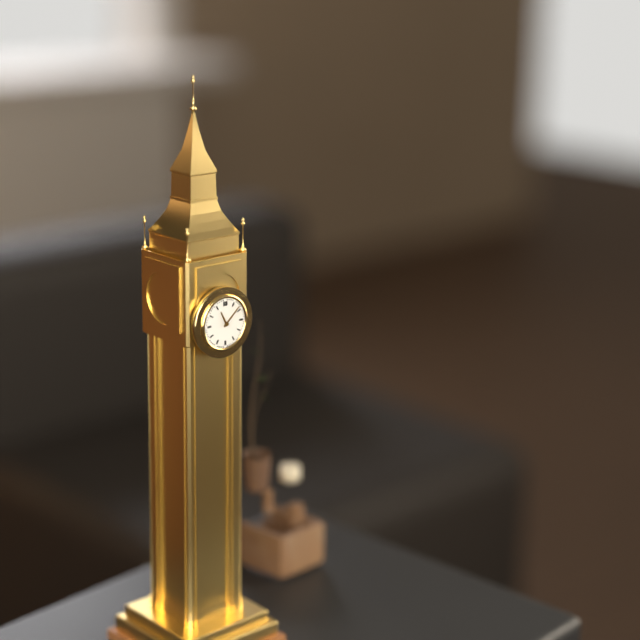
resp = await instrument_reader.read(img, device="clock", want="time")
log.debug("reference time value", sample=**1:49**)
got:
**11:08**
